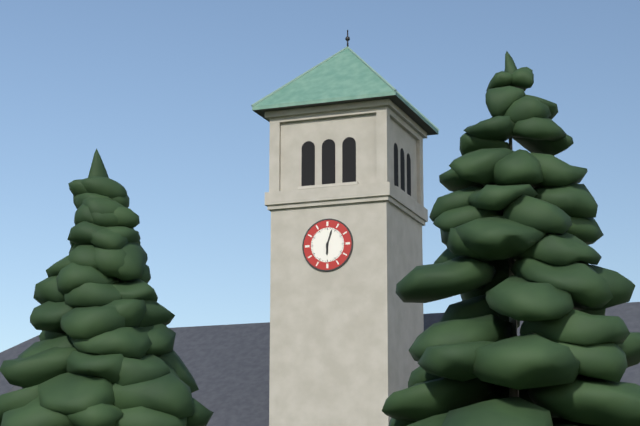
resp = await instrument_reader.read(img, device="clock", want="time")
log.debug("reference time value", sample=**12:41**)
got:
**6:03**
